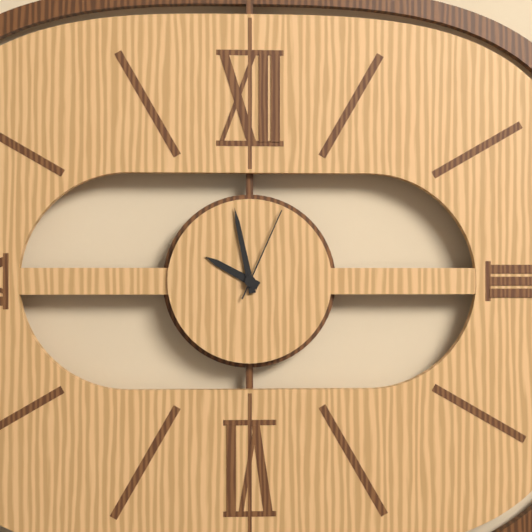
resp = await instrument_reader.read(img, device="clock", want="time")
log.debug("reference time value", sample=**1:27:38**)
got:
**9:58:04**
